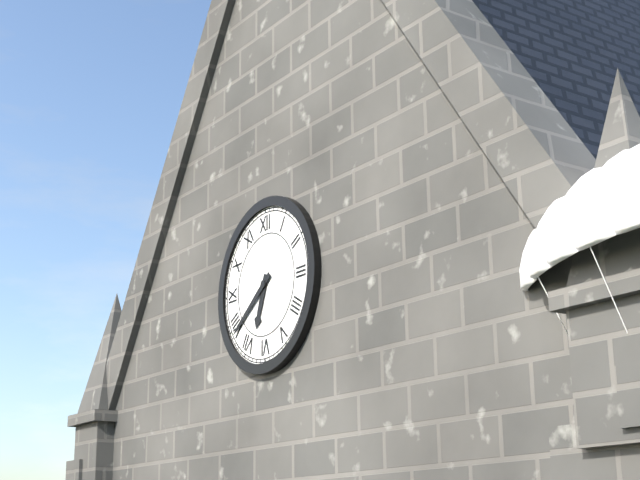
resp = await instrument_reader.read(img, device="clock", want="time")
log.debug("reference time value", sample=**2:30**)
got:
**6:39**
